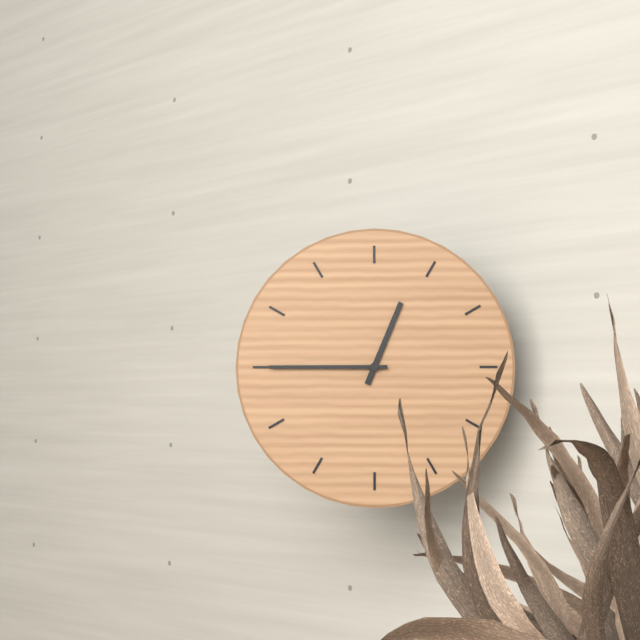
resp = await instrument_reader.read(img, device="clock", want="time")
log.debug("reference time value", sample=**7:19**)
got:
**12:45**
